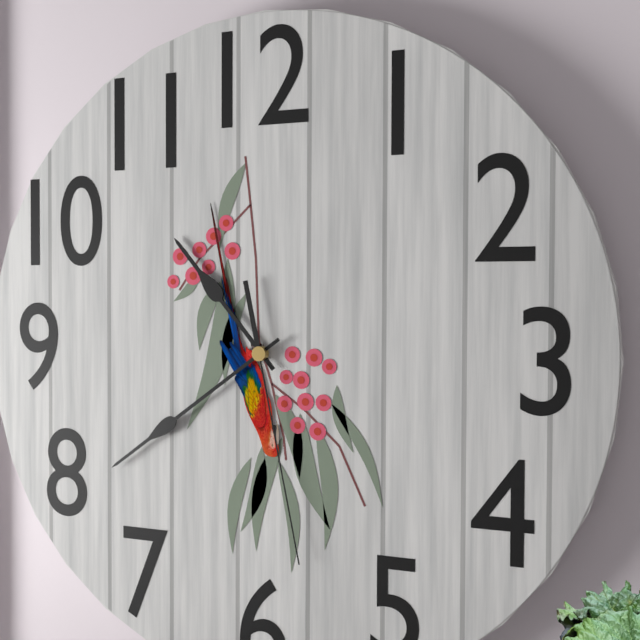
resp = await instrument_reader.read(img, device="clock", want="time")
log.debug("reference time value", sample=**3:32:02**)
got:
**10:39:28**
